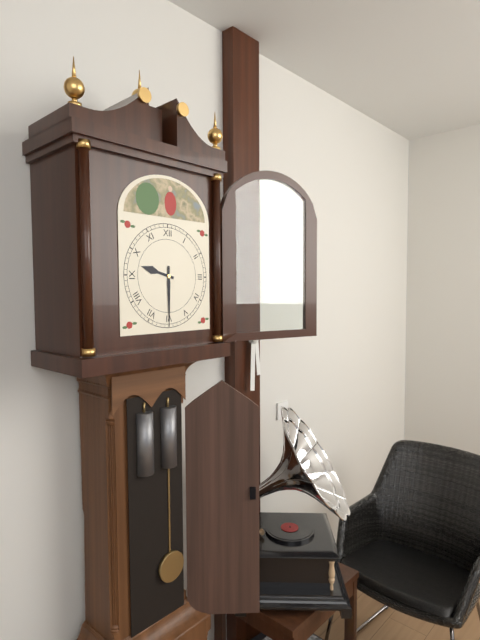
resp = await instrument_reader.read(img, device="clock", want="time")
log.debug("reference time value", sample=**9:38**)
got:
**9:30**
